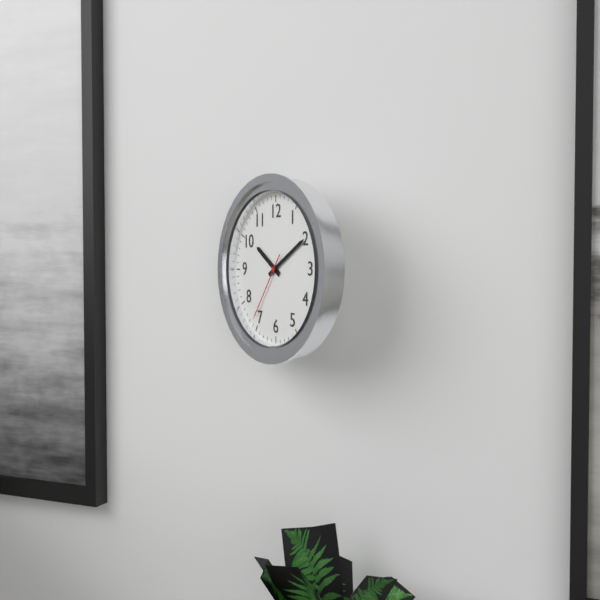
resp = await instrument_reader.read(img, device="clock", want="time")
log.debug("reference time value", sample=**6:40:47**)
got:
**10:10:36**
